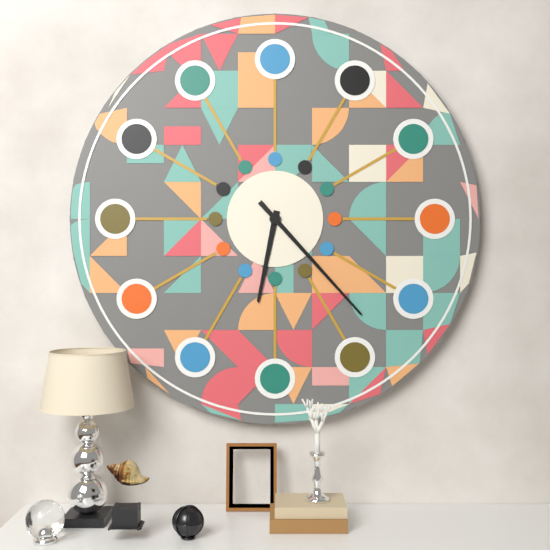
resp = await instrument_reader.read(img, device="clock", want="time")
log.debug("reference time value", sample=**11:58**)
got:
**6:23**
